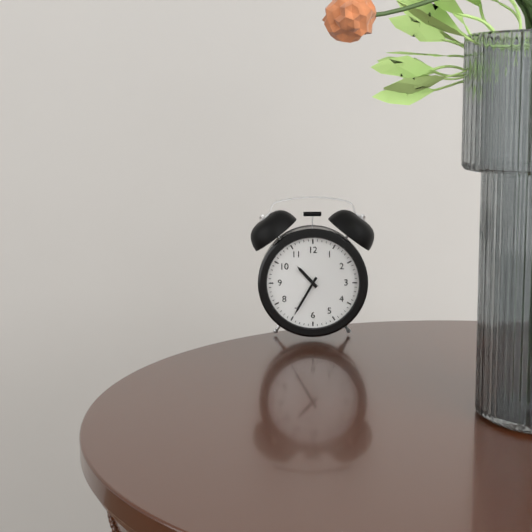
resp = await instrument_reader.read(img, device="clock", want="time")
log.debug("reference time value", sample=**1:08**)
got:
**10:35**
